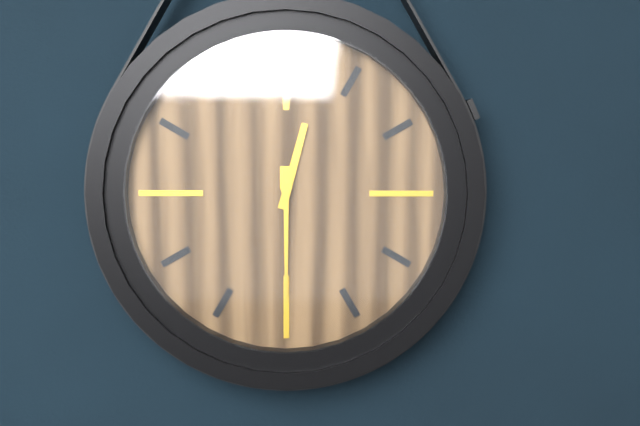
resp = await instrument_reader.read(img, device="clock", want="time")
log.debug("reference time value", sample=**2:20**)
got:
**12:30**
